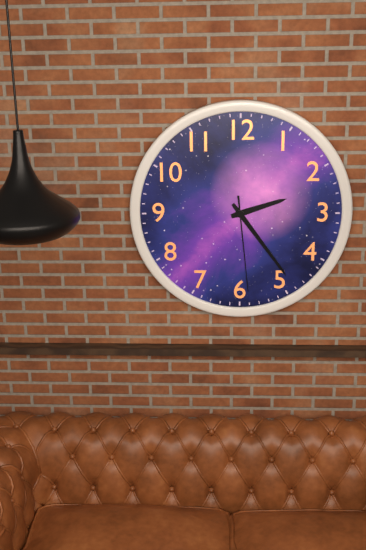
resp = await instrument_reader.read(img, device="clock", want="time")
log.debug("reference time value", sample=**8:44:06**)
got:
**2:24:29**
